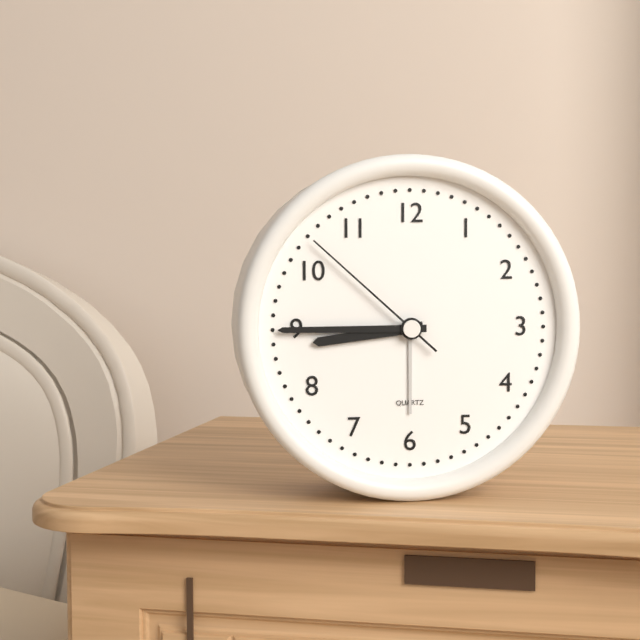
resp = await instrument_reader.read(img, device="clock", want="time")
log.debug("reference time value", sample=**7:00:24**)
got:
**8:45:52**
